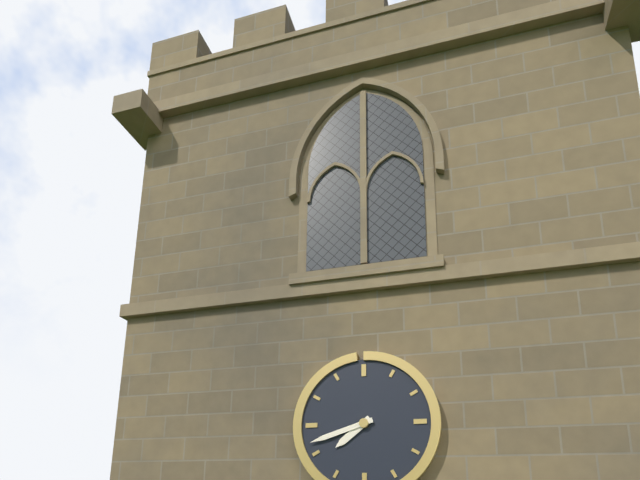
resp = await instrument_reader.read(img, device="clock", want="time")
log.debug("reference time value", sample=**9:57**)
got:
**7:42**
